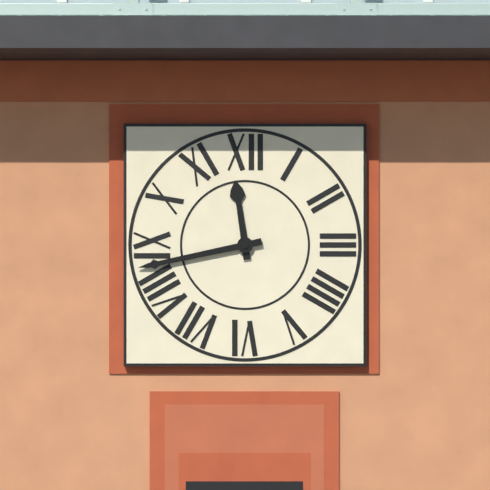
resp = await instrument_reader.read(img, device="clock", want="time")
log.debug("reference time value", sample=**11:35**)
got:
**11:43**
